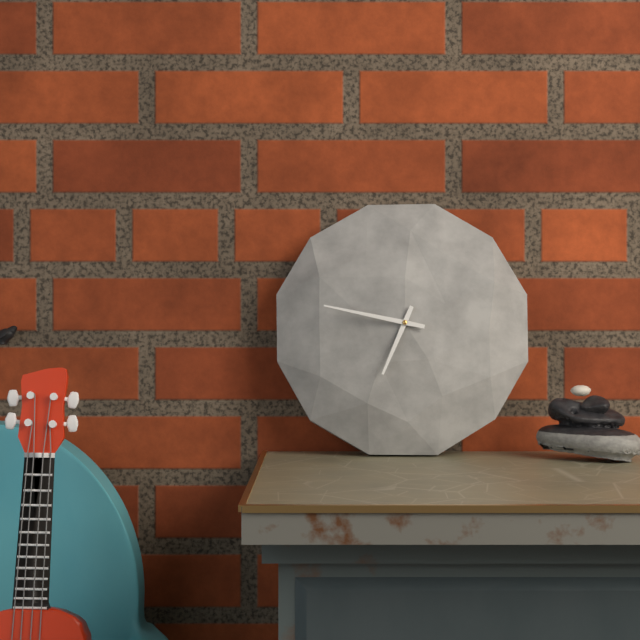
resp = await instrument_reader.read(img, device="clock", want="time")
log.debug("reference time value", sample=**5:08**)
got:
**6:47**
